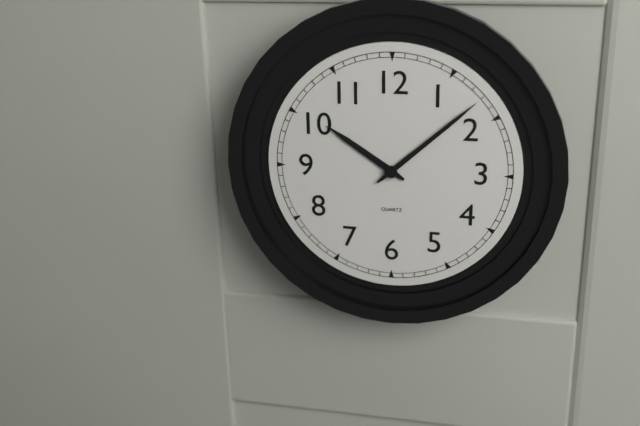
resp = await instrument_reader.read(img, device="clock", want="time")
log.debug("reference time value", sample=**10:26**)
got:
**10:08**
